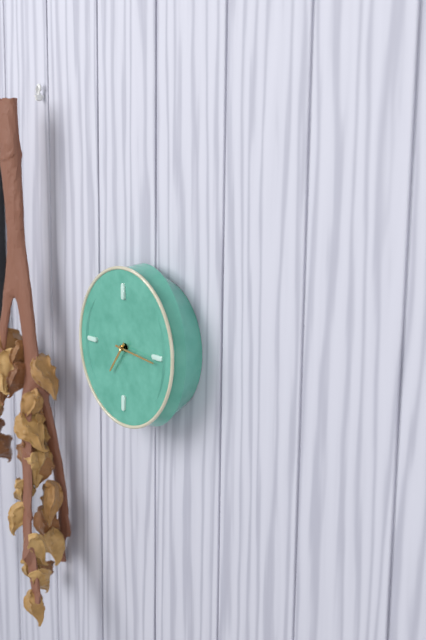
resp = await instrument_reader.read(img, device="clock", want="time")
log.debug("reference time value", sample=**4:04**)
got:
**7:16**
